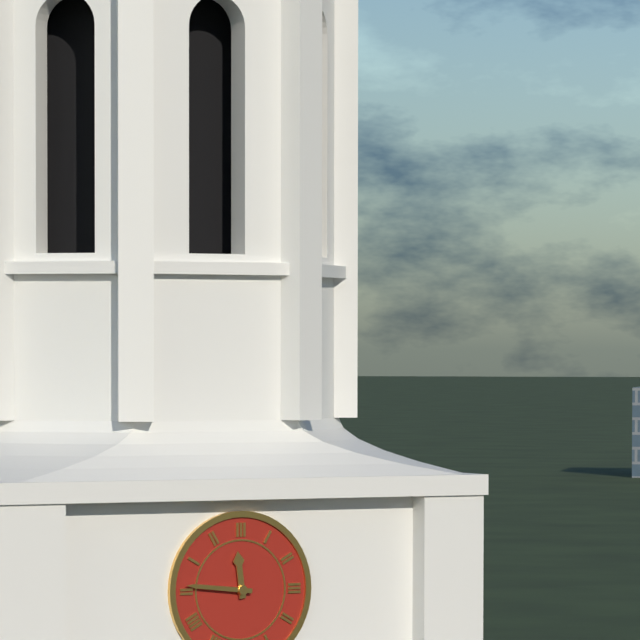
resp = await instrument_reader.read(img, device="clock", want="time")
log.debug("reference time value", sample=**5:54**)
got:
**11:46**
